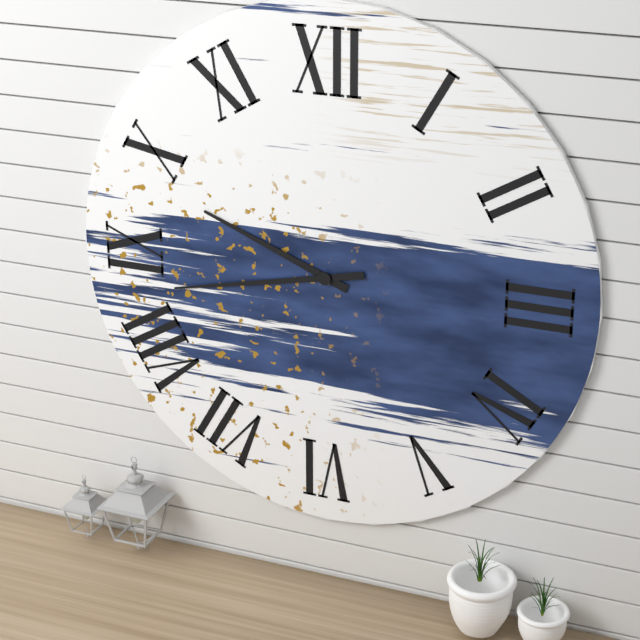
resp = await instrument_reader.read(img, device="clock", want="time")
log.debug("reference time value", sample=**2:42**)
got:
**9:43**
